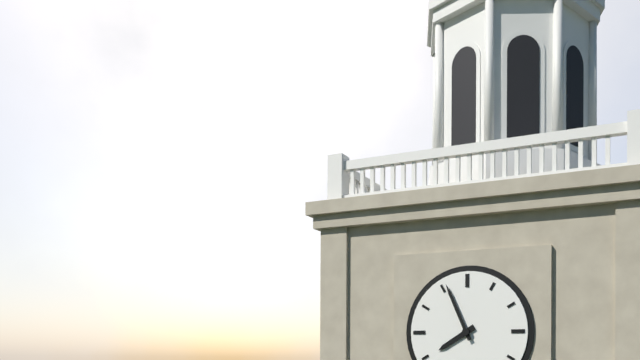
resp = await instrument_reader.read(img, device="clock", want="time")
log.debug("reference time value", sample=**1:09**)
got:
**7:56**
